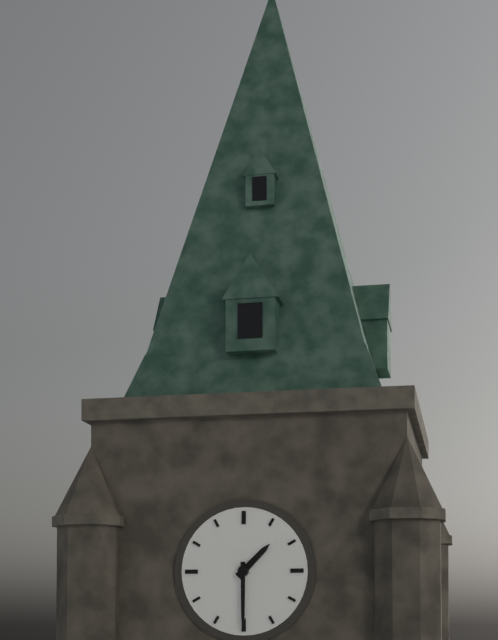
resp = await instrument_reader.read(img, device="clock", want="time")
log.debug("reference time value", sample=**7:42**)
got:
**1:30**
